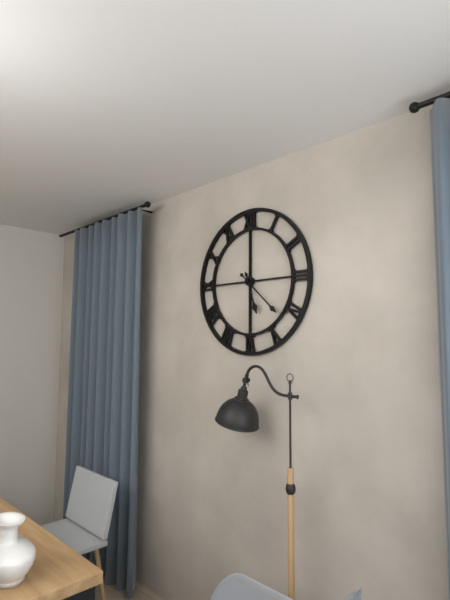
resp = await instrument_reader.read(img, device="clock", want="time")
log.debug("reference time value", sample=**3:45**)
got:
**5:22**
